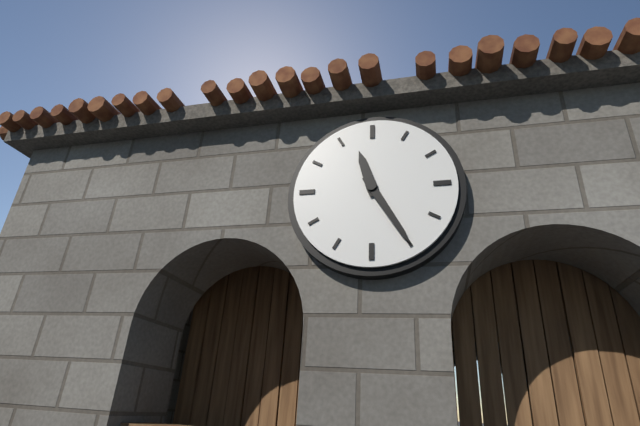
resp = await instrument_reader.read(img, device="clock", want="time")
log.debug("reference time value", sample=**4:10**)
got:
**11:25**
